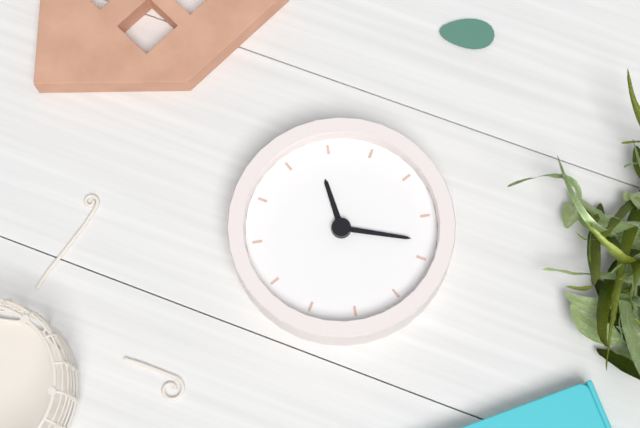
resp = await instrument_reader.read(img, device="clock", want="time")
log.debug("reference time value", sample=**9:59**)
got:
**4:43**
